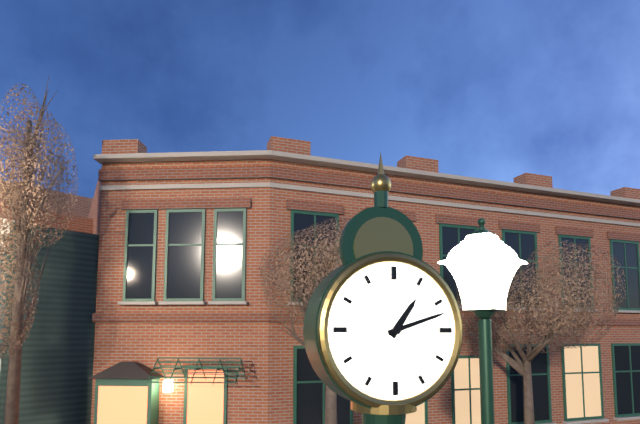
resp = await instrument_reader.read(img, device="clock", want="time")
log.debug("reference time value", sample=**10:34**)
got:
**1:12**
